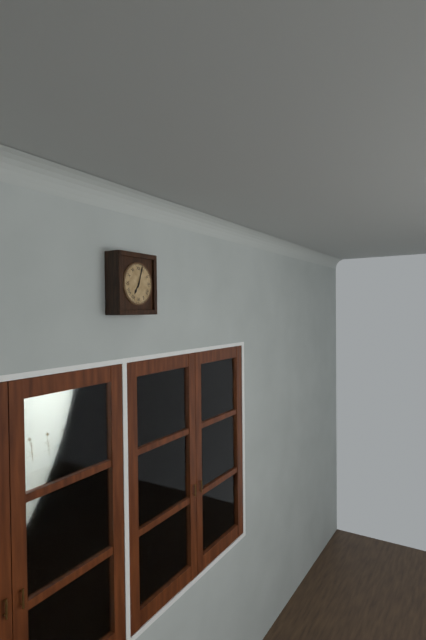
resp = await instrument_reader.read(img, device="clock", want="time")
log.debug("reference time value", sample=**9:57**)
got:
**7:03**
